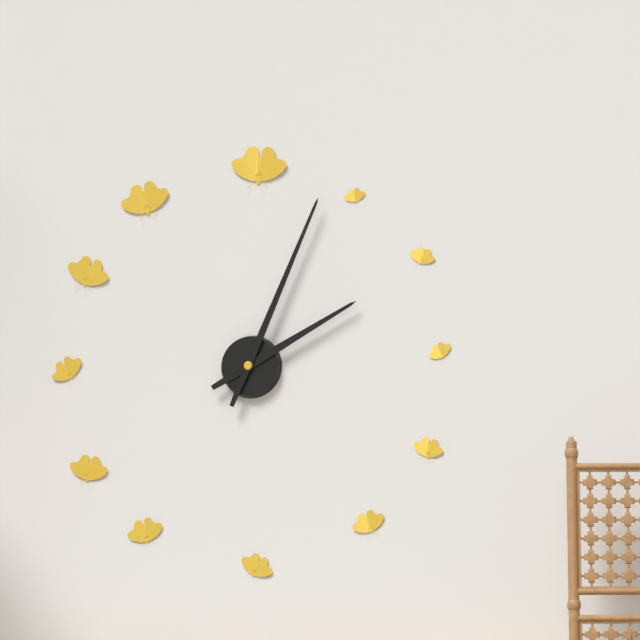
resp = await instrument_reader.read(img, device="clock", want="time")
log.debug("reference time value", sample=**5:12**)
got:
**2:04**
